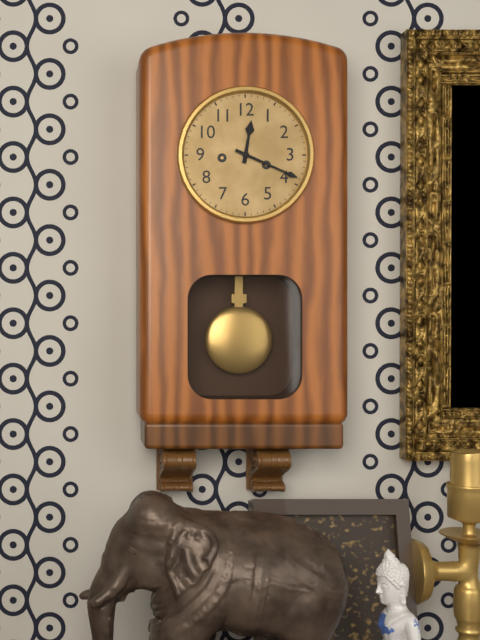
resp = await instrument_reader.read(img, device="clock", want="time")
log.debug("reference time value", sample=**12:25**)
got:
**12:19**
